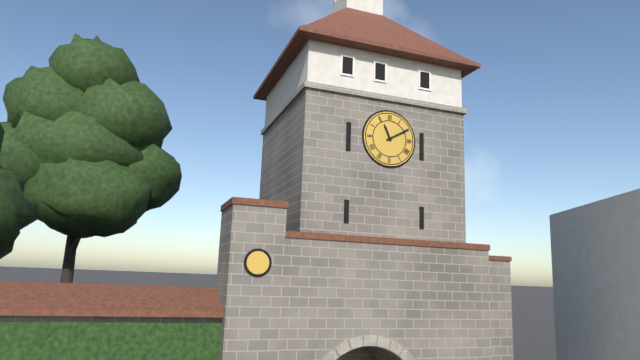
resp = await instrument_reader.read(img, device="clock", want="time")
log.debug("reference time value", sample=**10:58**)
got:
**11:10**
